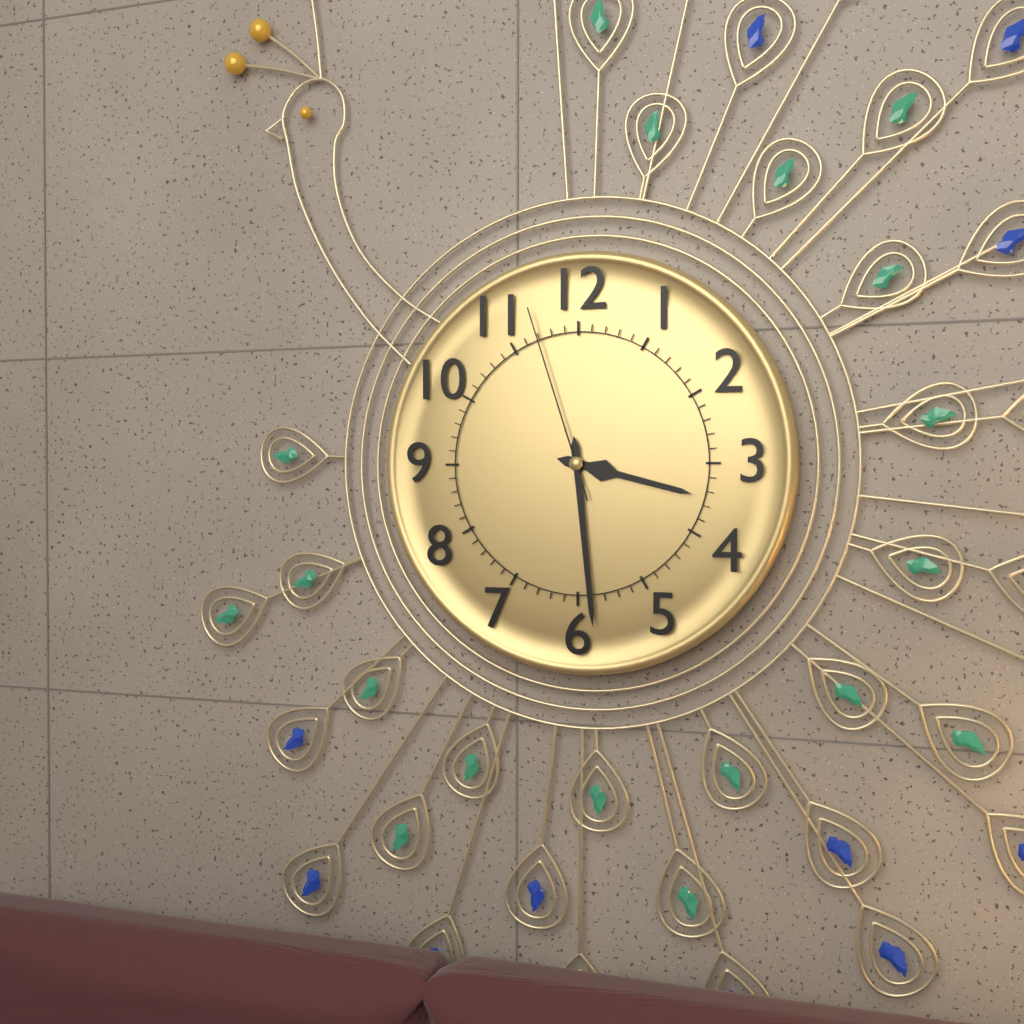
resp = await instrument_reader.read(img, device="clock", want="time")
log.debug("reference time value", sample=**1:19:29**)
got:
**3:29:57**
